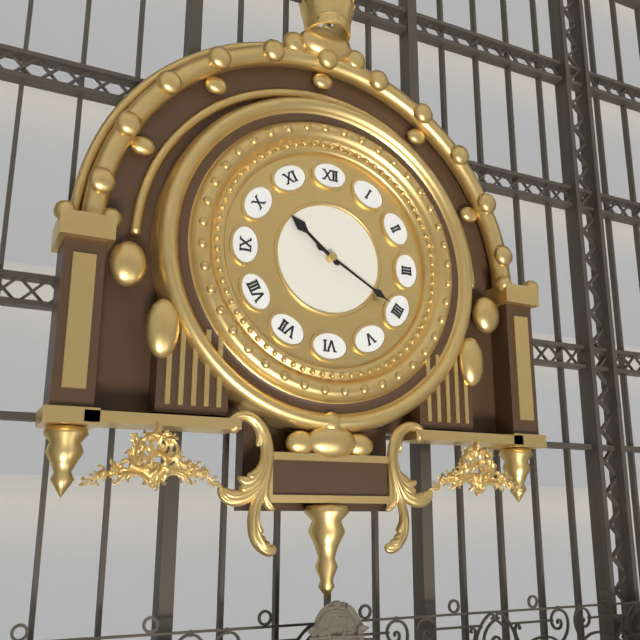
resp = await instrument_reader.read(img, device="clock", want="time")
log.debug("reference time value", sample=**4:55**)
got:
**10:20**
